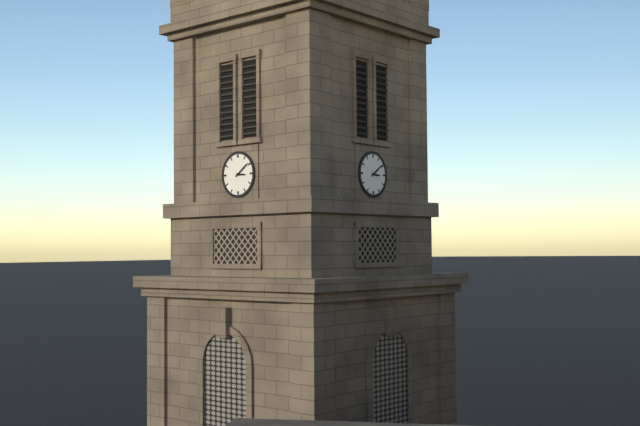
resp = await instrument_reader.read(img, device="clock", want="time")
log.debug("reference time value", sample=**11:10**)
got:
**3:09**
